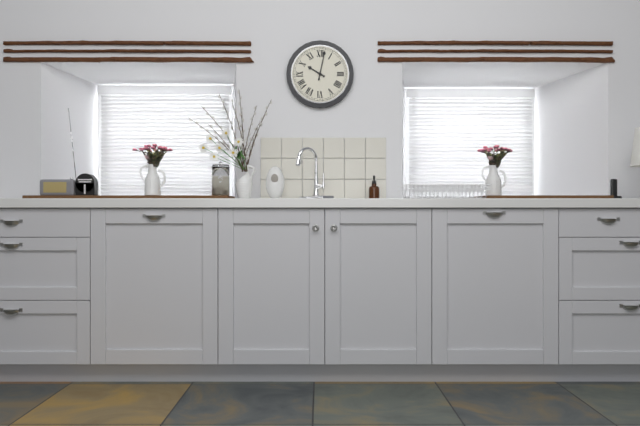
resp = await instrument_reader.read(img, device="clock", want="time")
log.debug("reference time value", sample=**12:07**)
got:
**10:02**
